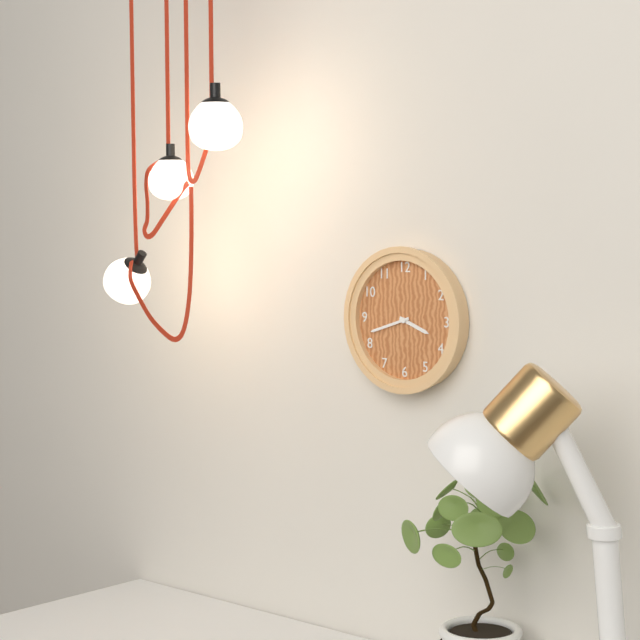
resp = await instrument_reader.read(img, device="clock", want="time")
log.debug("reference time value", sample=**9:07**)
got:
**3:42**
